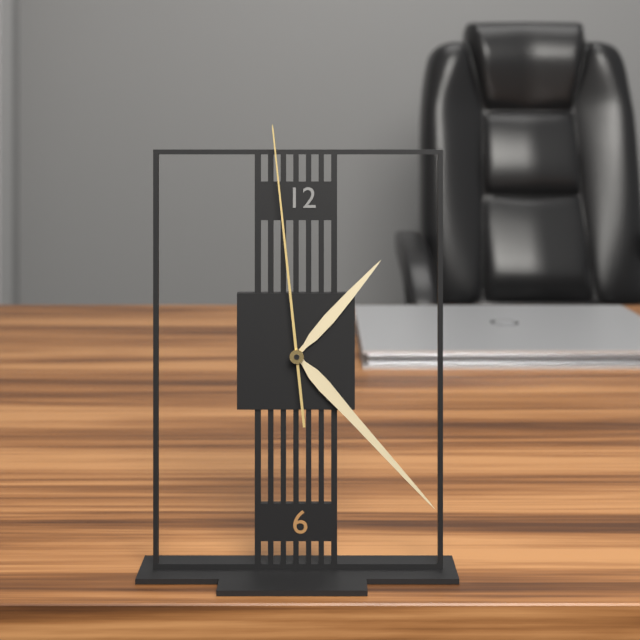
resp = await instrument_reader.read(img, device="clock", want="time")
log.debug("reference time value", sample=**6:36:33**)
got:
**1:23:59**
